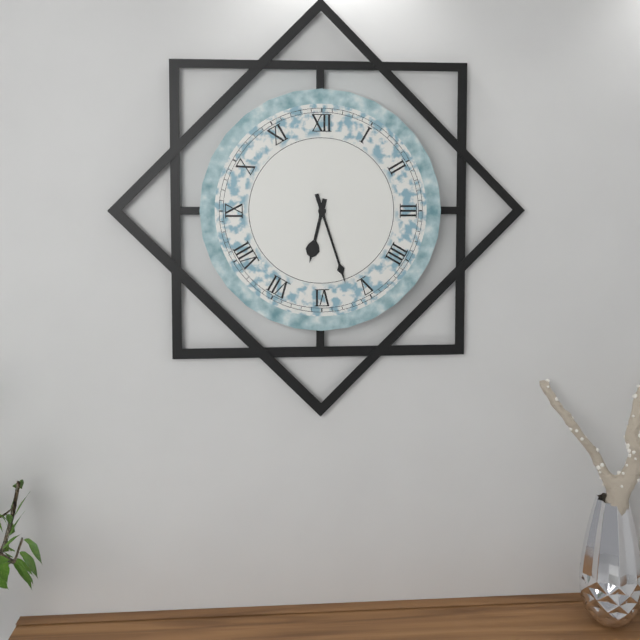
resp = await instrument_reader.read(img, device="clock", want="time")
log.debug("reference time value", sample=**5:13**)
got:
**6:27**
